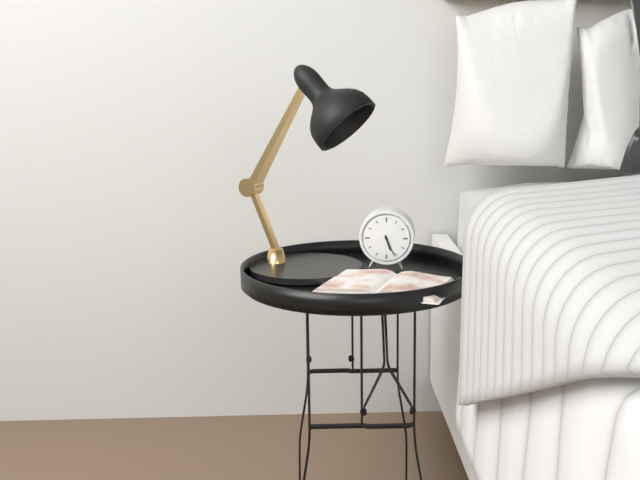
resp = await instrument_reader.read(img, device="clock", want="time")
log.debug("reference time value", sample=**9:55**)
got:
**5:26**
